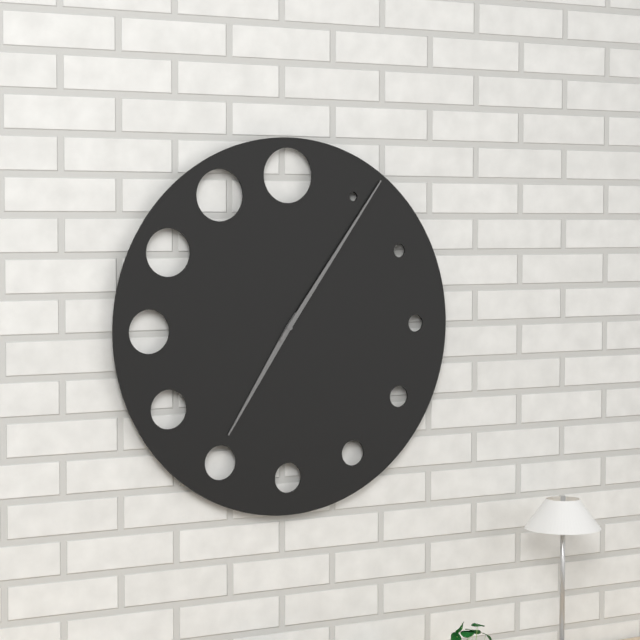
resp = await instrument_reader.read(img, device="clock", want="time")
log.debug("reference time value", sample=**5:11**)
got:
**7:06**
